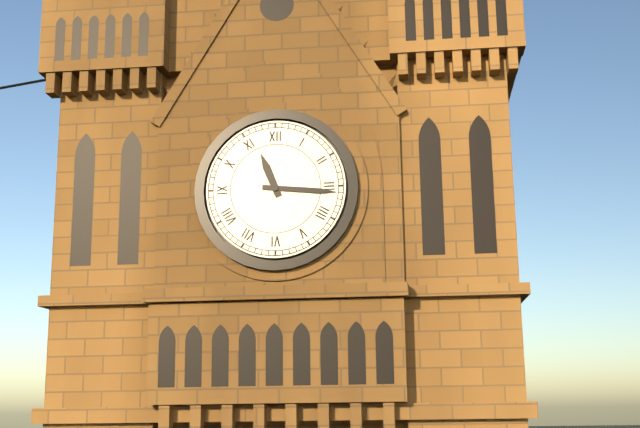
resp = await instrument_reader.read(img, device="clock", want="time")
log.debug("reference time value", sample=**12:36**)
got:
**11:16**
